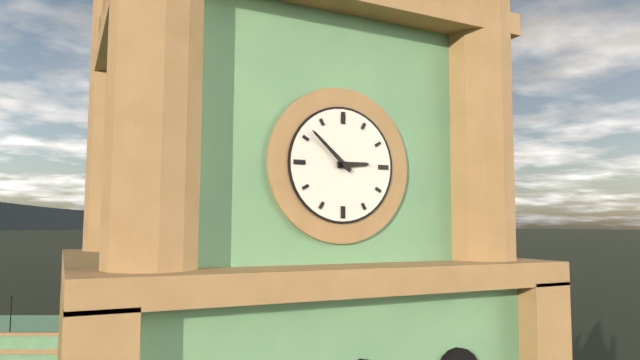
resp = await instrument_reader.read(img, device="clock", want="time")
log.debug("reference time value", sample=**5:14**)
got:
**2:52**
